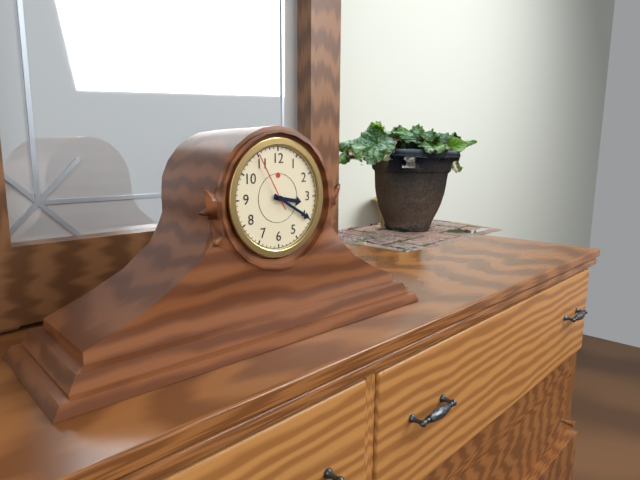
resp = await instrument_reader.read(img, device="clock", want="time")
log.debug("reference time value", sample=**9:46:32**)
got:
**3:20:55**
